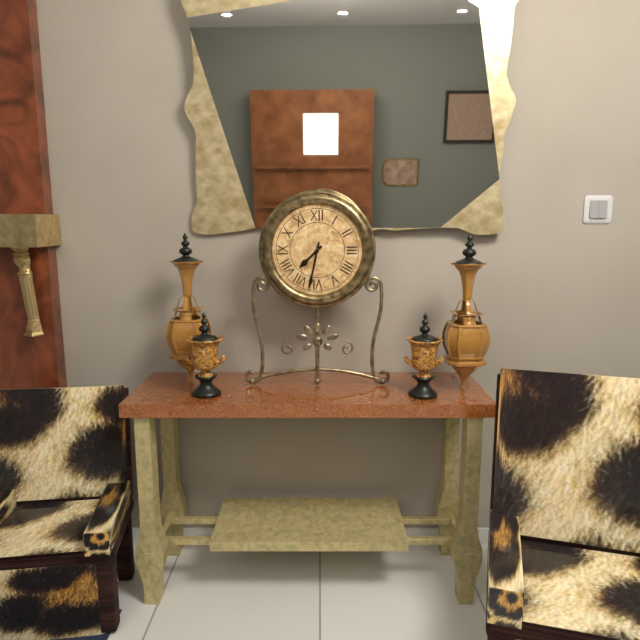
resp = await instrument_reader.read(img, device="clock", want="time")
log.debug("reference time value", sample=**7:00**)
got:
**7:32**
